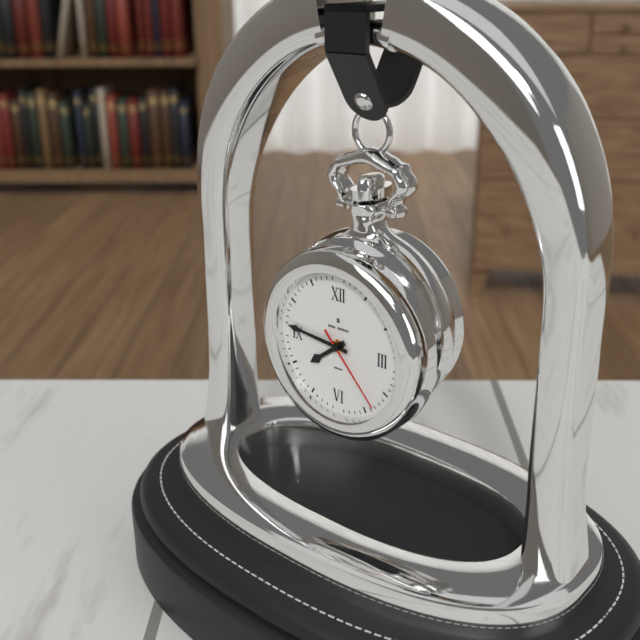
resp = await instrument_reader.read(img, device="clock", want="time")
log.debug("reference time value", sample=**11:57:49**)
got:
**7:46:23**
